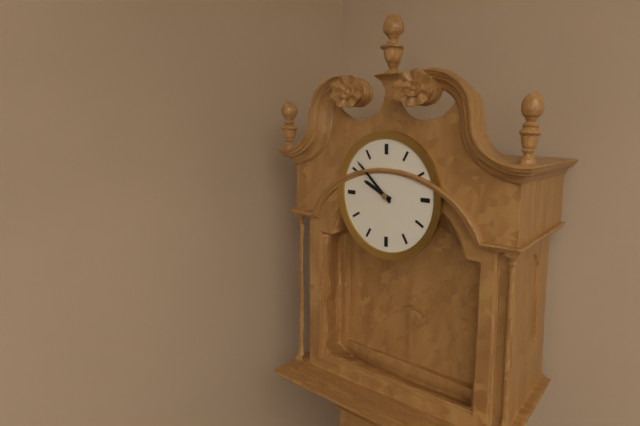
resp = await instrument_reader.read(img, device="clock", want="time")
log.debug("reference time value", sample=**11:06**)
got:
**9:52**
